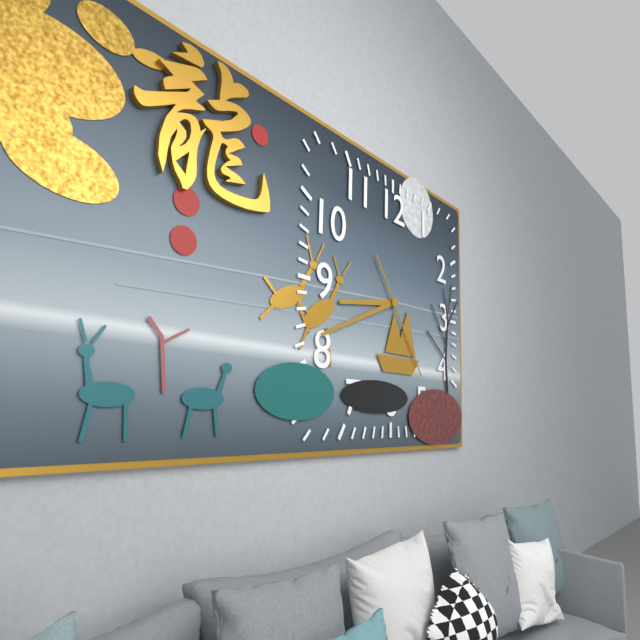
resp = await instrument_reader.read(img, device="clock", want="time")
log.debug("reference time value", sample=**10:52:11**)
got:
**8:41:24**
